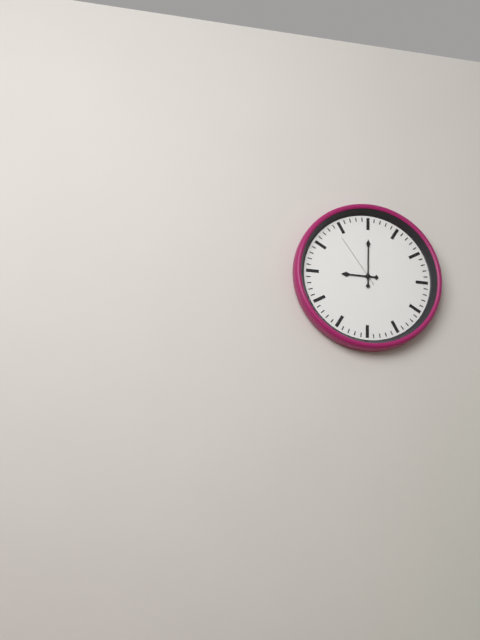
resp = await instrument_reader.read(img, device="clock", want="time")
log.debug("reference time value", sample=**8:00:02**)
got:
**9:00:54**
